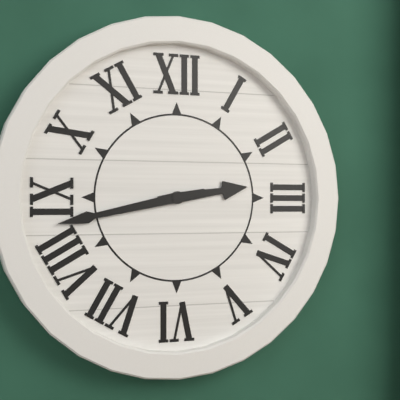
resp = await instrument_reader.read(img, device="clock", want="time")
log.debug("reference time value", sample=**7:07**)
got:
**2:43**
